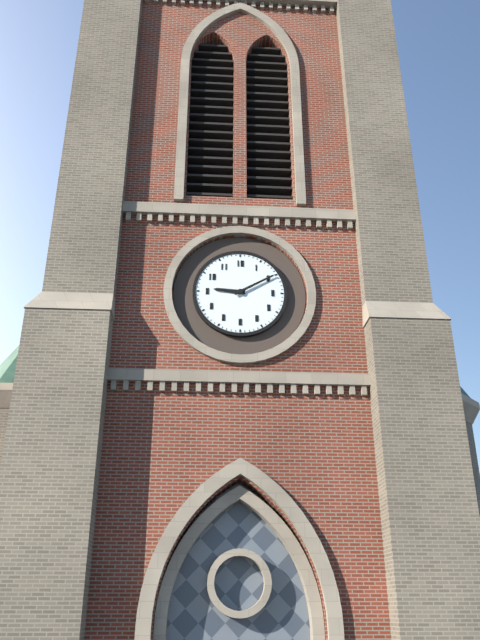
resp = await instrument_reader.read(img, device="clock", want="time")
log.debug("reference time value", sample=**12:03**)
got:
**9:10**
